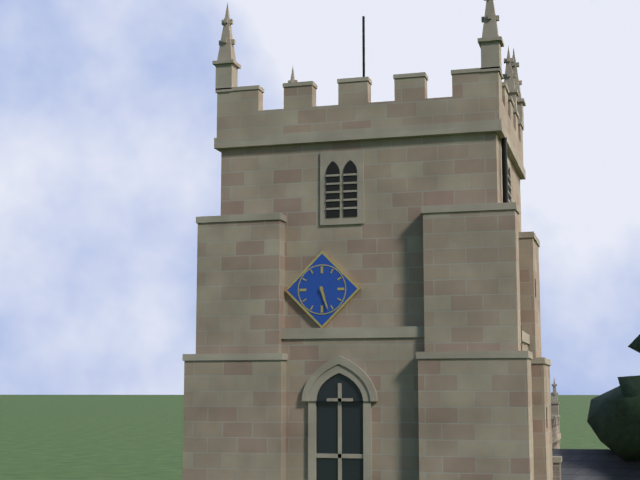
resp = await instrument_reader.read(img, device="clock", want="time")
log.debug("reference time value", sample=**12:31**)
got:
**5:27**
